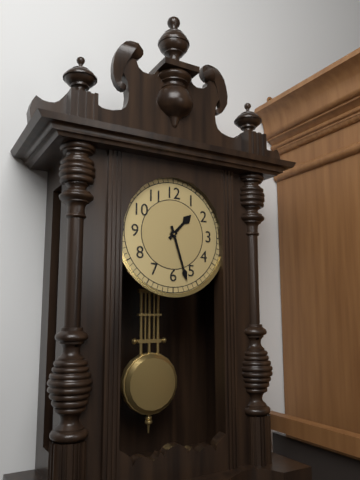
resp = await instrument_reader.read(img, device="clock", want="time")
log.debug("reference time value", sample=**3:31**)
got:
**1:27**
